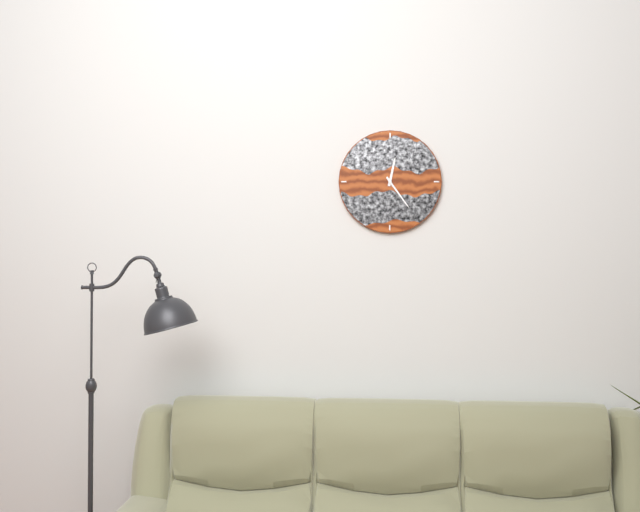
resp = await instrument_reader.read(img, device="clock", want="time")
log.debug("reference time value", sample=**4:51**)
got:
**12:24**
